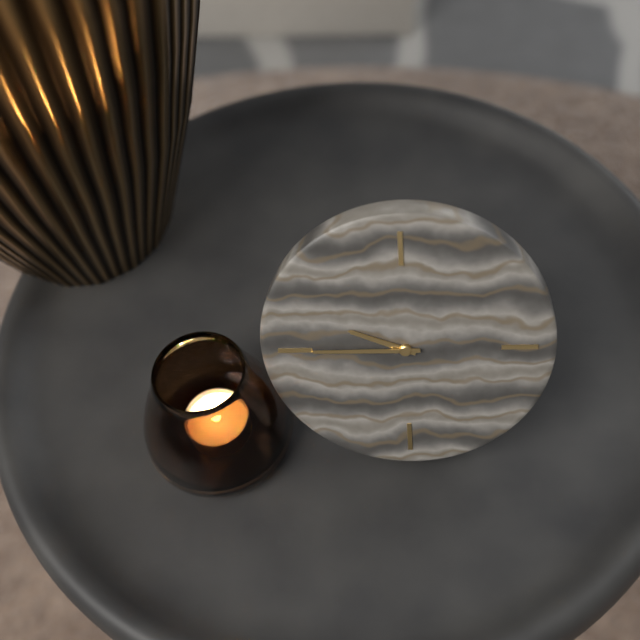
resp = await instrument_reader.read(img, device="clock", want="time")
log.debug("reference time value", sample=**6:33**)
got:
**9:45**
